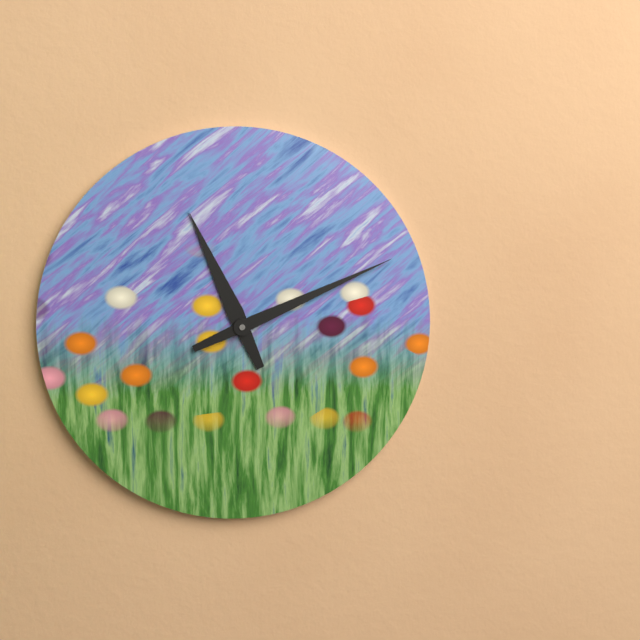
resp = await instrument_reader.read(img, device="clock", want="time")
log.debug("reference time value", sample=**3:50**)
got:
**11:11**
